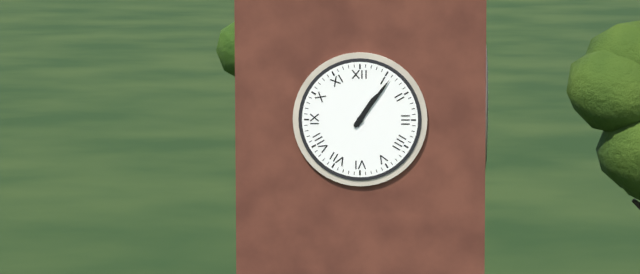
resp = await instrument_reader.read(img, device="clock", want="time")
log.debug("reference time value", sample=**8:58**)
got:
**1:06**
